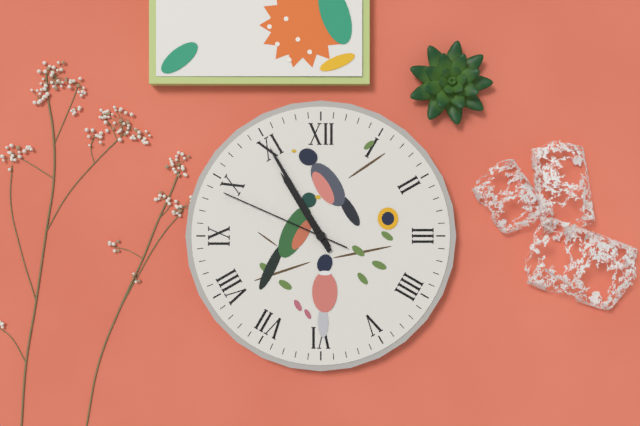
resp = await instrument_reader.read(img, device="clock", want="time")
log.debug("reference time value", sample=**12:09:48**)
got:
**10:55:49**
